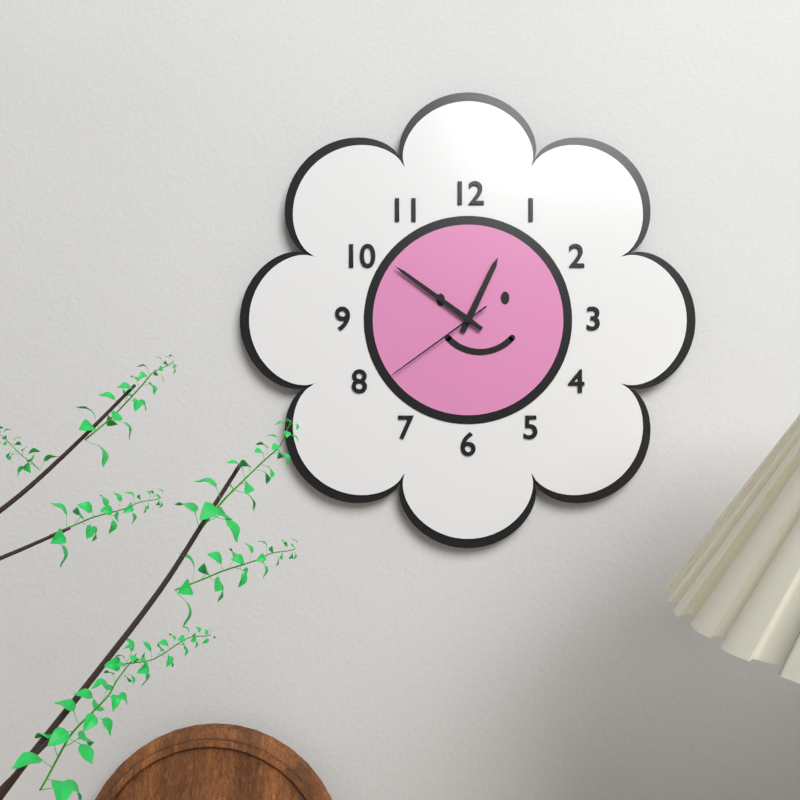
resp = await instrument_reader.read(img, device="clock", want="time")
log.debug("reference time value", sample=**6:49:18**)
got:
**12:51:39**
